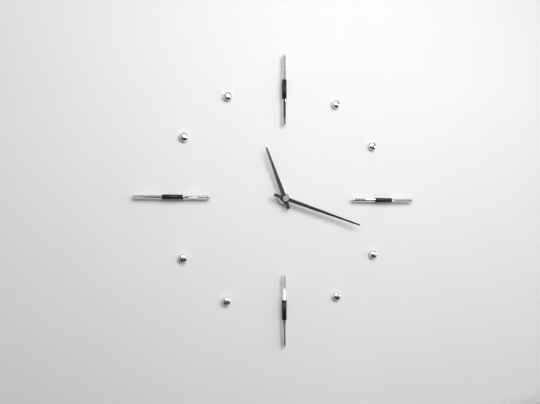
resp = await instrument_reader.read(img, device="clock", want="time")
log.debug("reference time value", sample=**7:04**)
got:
**11:18**
